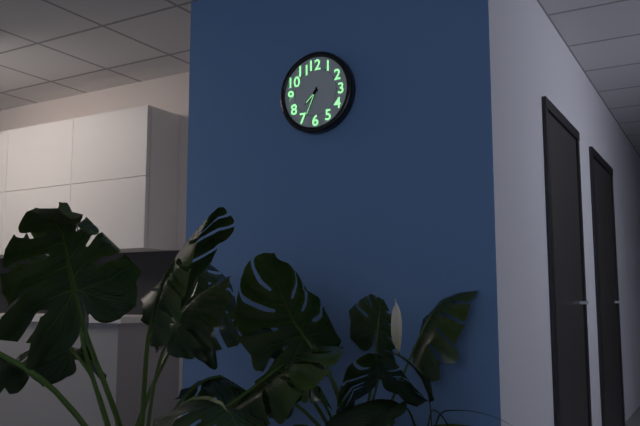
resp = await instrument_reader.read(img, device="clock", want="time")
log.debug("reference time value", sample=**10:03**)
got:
**7:34**
